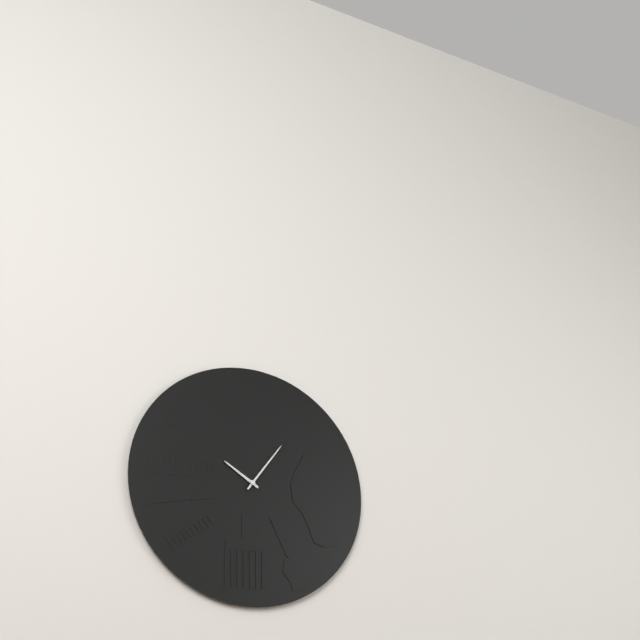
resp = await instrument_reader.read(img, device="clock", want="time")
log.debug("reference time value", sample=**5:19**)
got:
**10:06**
